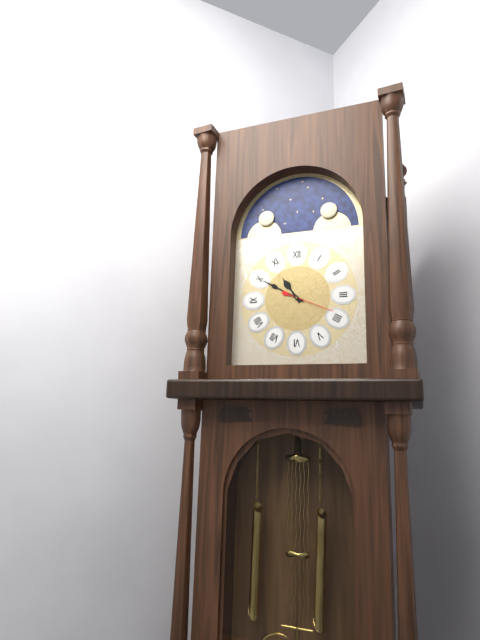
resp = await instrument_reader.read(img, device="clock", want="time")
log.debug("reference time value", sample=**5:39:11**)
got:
**10:50:19**
